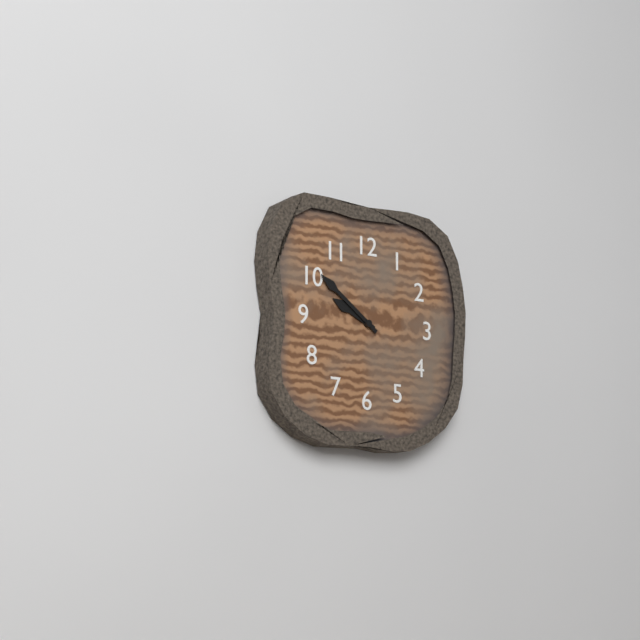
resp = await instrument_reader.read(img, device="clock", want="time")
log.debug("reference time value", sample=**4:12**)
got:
**9:51**
